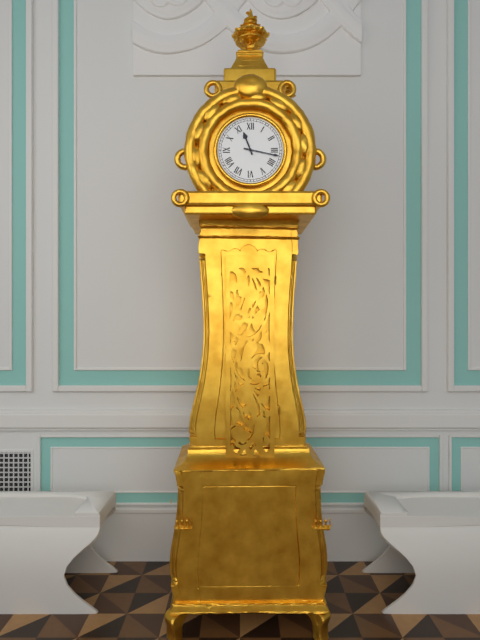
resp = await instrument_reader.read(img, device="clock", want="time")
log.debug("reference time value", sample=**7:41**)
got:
**11:17**
